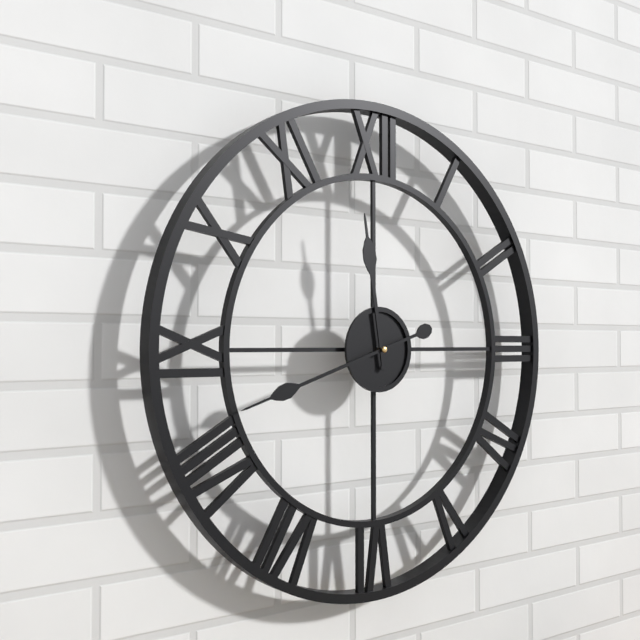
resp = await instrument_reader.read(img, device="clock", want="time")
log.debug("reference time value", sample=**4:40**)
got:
**11:42**
